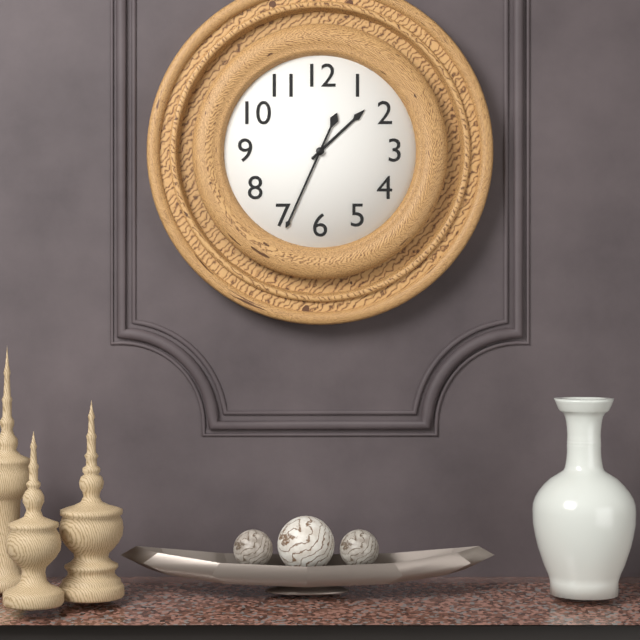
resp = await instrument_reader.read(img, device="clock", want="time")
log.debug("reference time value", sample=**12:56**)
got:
**1:34**
